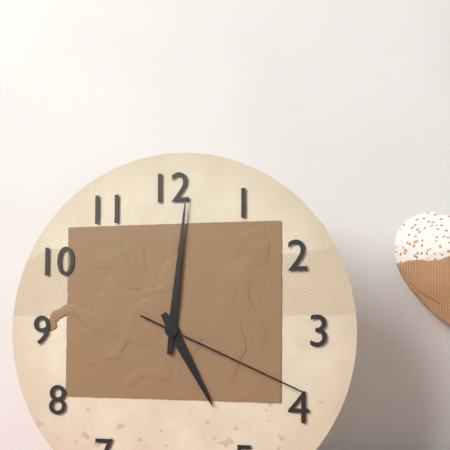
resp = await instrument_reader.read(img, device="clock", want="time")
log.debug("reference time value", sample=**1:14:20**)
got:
**5:01:19**
